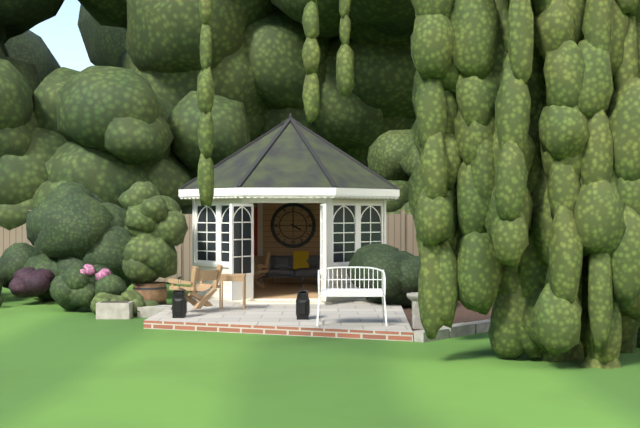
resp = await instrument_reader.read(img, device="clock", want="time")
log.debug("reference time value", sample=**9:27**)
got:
**4:00**
